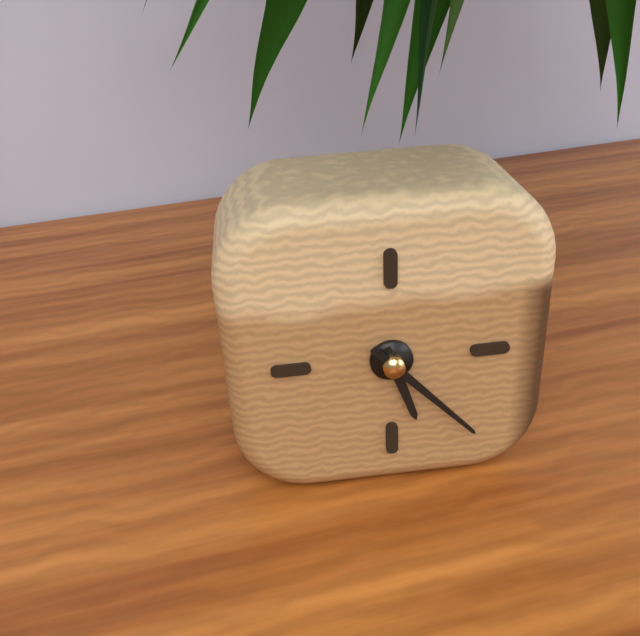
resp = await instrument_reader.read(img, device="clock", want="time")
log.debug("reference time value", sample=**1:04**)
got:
**5:23**
